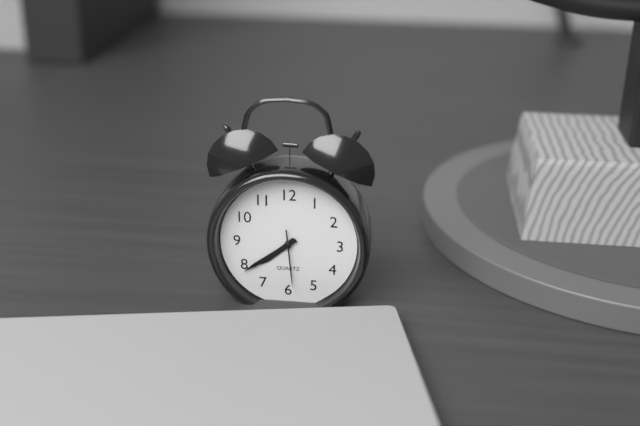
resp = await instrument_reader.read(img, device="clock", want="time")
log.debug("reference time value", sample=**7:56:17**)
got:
**7:39:29**
